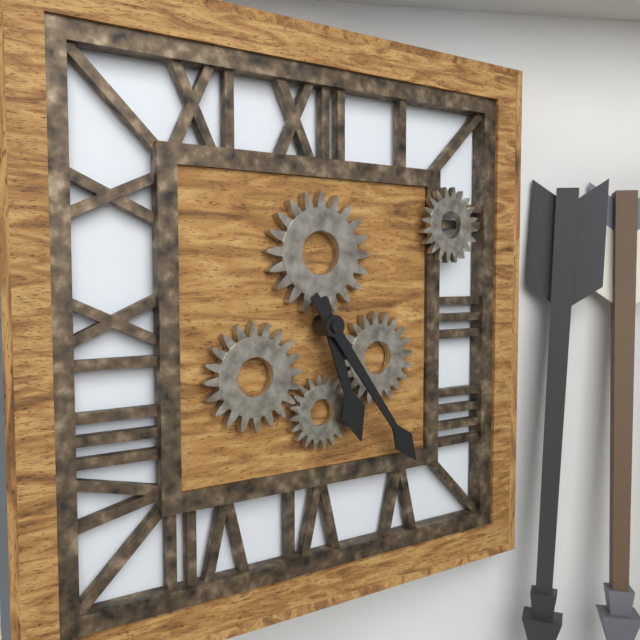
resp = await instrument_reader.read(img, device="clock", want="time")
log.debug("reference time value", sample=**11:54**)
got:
**5:24**
